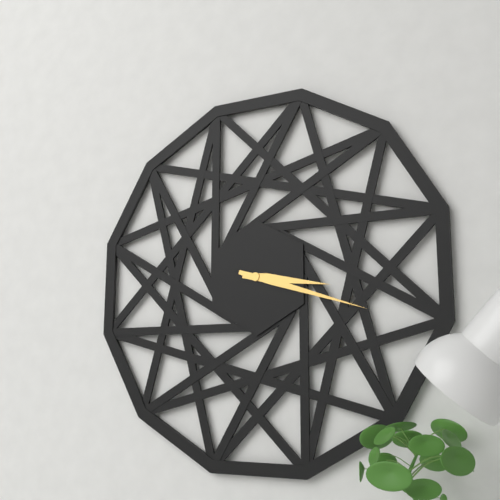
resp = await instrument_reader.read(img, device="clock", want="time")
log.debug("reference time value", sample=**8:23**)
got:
**3:18**
